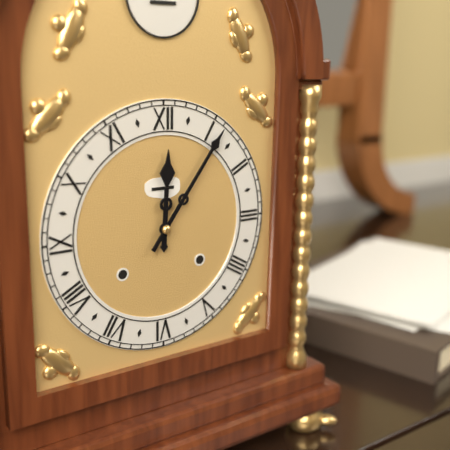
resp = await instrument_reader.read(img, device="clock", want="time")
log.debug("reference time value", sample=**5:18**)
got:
**12:06**
